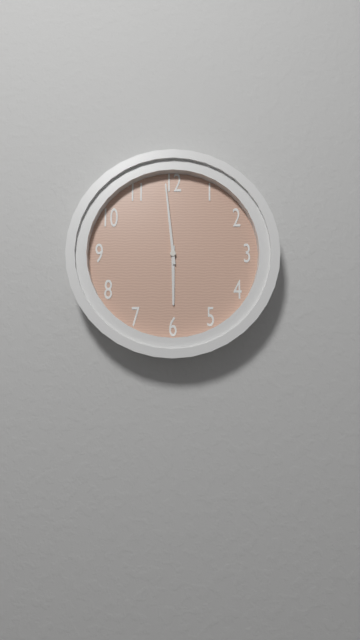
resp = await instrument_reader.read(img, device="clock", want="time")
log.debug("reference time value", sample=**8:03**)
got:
**5:59**
